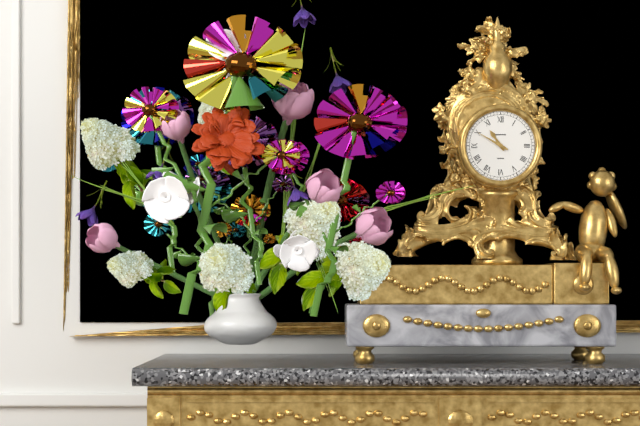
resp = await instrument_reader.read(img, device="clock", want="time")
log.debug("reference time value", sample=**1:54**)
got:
**10:50**
